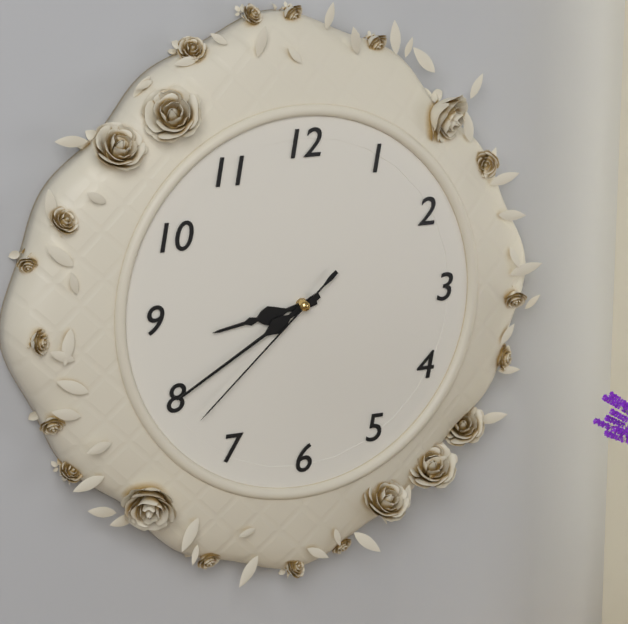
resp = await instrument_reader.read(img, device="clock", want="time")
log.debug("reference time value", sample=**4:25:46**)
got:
**8:40:38**
